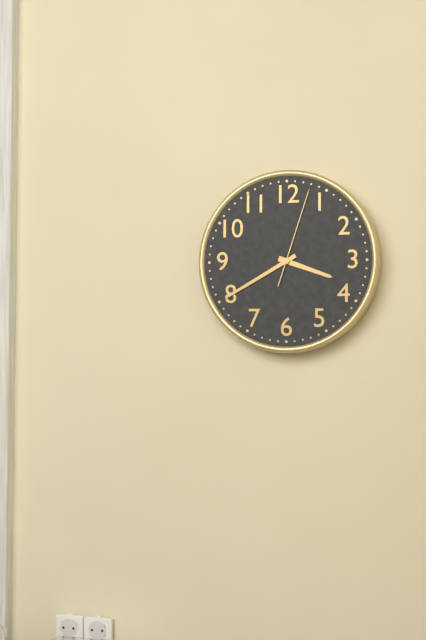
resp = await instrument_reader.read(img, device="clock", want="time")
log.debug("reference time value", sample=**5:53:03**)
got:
**3:40:03**
